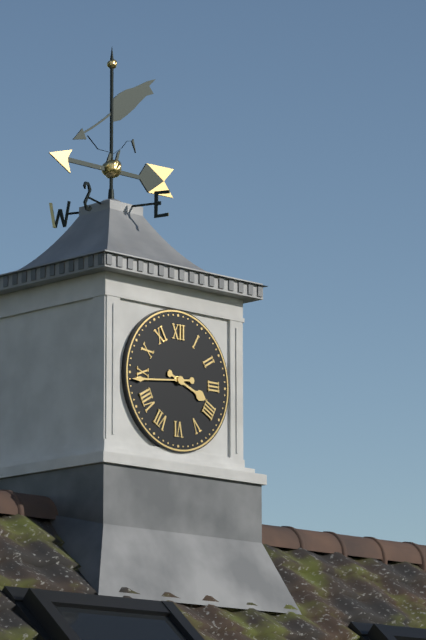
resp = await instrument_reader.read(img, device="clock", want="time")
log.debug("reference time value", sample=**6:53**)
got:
**3:44**
